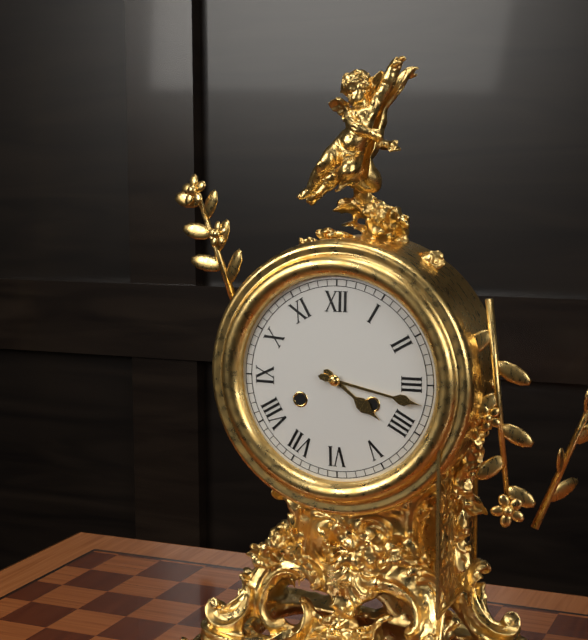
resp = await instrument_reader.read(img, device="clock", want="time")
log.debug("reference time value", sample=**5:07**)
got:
**4:17**
